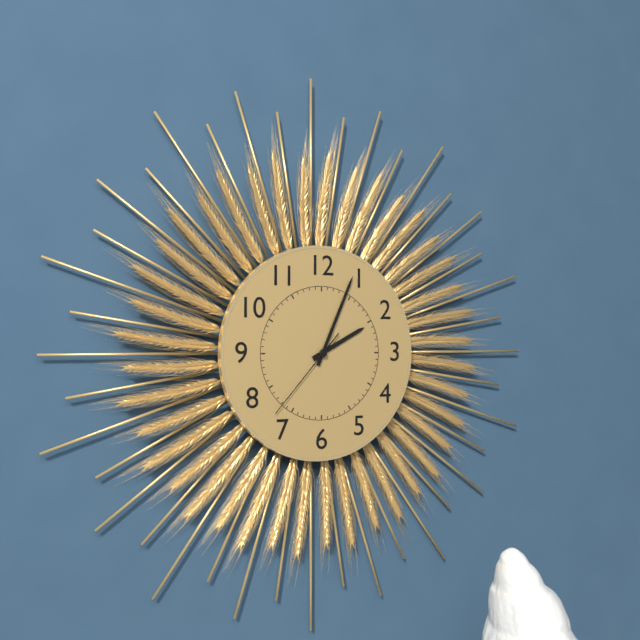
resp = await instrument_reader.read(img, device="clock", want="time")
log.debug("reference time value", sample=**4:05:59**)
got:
**2:04:37**
